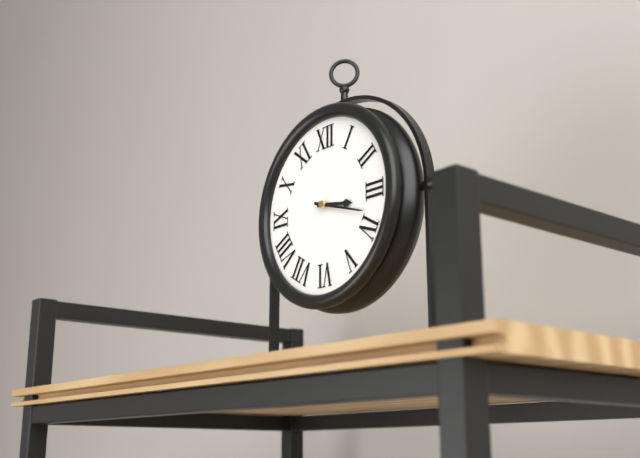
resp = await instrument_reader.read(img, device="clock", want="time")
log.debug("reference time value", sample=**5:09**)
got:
**3:18**
